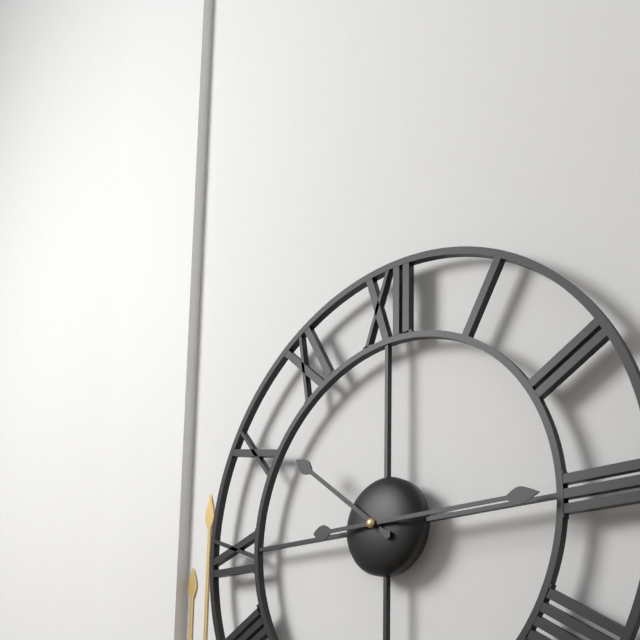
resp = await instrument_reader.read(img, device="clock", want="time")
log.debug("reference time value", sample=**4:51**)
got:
**10:15**
